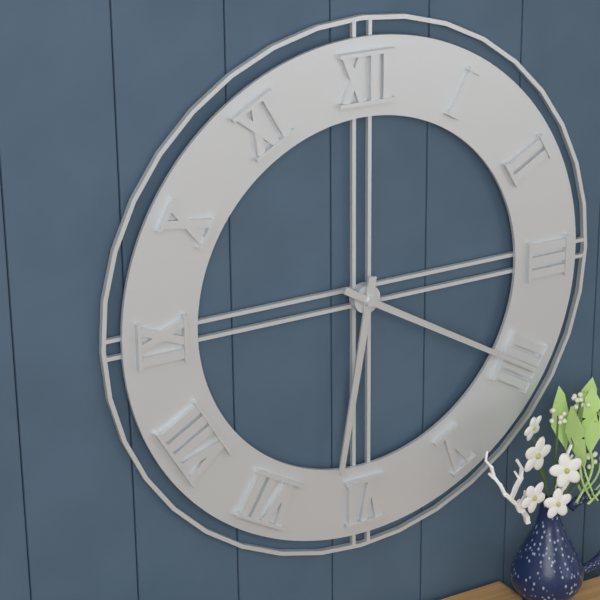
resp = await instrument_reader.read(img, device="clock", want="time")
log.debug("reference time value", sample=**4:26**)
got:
**6:20**
